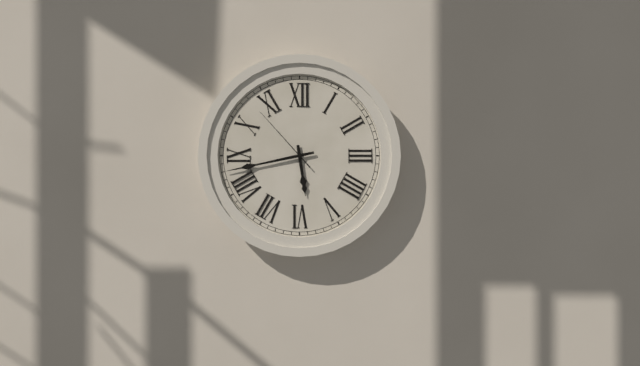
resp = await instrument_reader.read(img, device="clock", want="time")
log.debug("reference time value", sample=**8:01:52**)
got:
**5:43:53**
